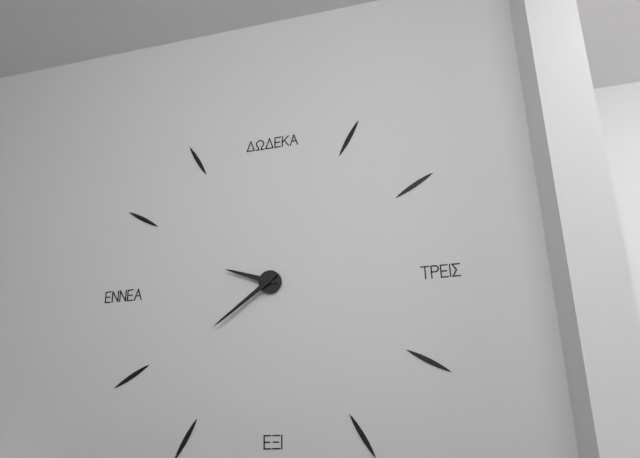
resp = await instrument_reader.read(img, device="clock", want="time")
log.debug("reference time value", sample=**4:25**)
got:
**9:39**
